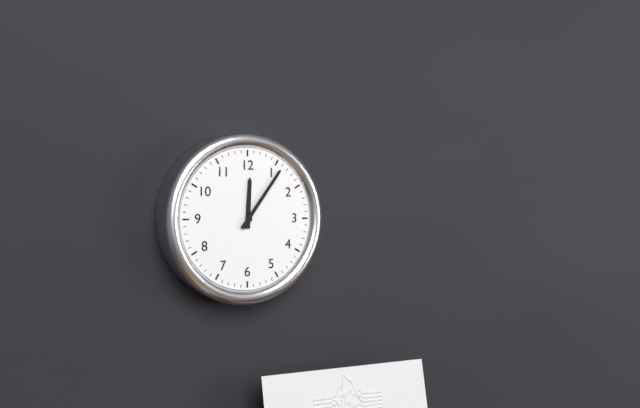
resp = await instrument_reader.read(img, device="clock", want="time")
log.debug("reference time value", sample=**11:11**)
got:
**12:06**
